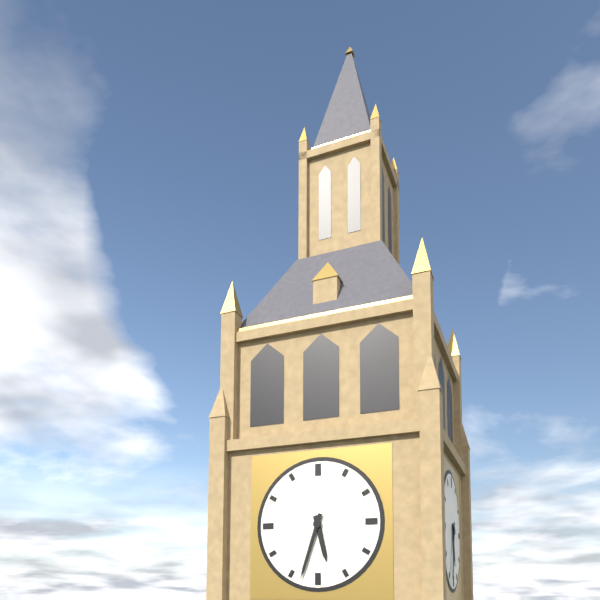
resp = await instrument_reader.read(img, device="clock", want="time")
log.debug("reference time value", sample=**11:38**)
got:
**5:33**
